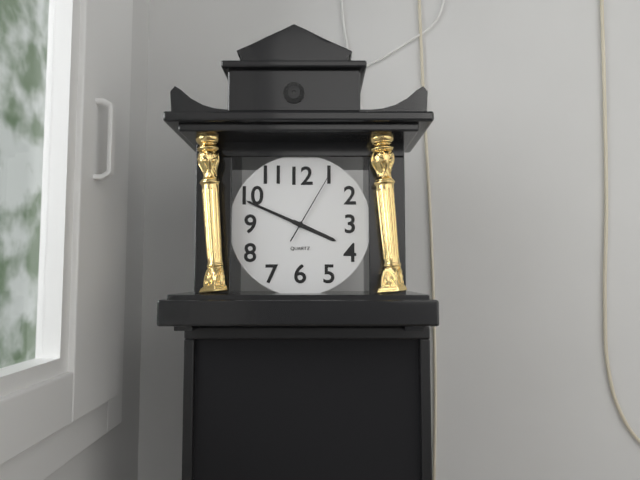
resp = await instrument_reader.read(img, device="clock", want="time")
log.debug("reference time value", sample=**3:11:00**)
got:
**3:49:05**
